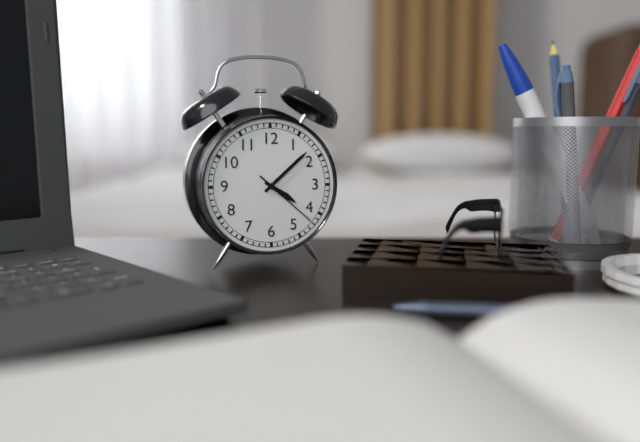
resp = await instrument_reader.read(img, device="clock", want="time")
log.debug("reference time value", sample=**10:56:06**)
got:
**4:08:22**
